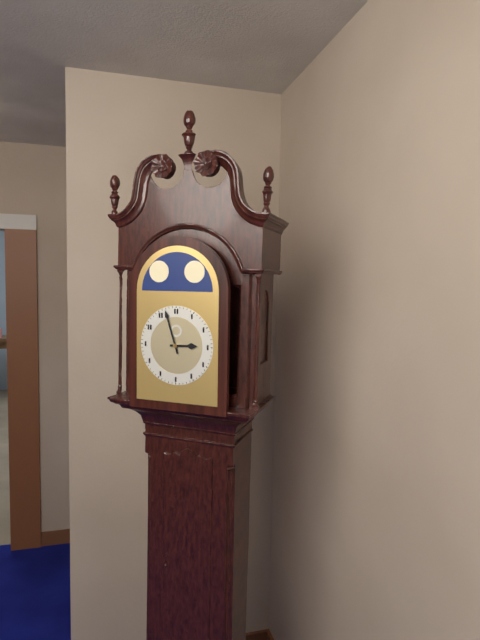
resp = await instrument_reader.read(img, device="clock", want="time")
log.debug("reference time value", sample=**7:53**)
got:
**2:57**
